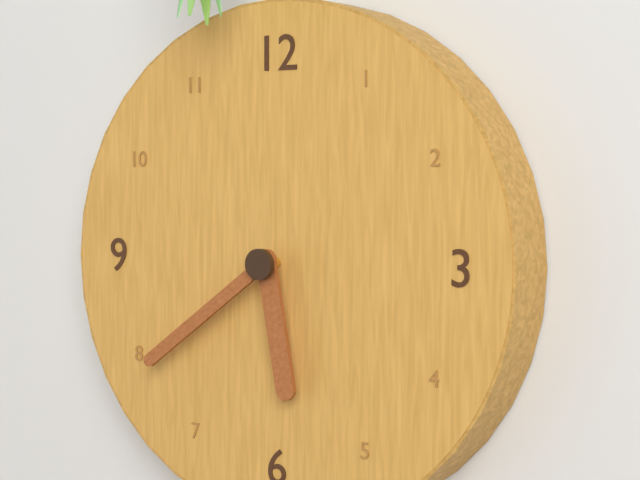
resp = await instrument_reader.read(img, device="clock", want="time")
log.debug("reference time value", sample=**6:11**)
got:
**5:39**
